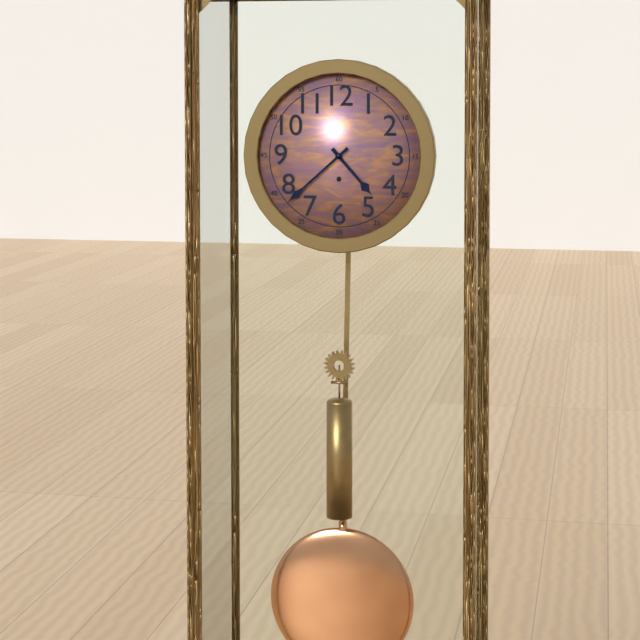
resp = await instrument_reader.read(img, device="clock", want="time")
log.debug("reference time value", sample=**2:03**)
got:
**4:38**
